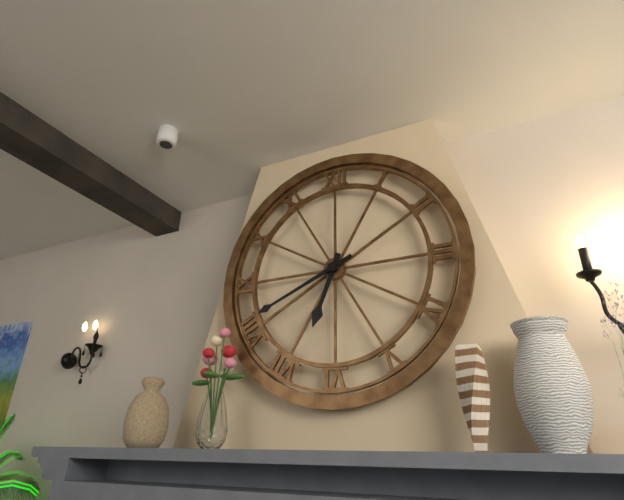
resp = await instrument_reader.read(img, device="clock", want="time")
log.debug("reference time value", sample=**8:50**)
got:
**6:41**
